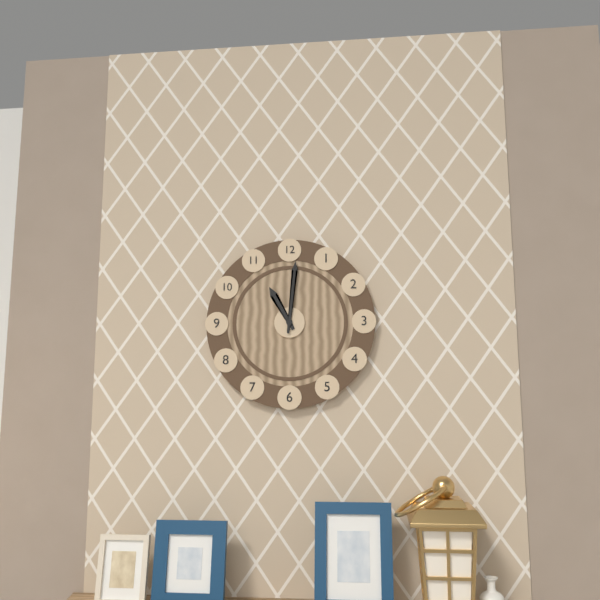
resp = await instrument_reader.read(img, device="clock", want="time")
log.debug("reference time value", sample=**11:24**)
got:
**11:01**
